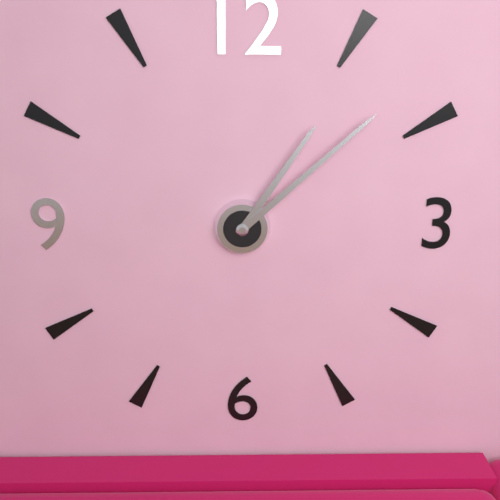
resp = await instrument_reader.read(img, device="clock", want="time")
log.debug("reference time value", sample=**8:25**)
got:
**1:08**
